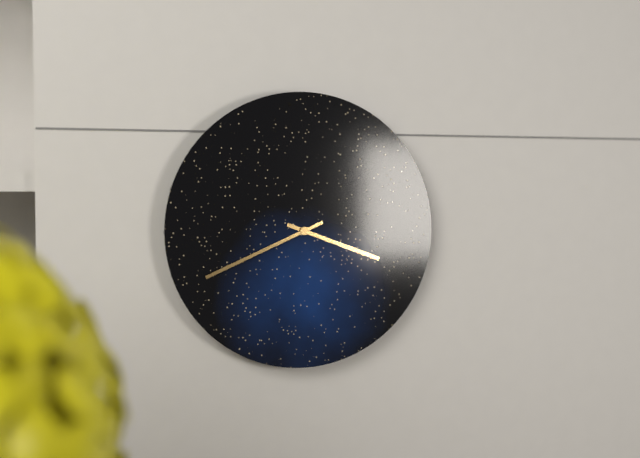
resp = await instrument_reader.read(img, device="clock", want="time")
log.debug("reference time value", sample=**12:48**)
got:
**3:41**
